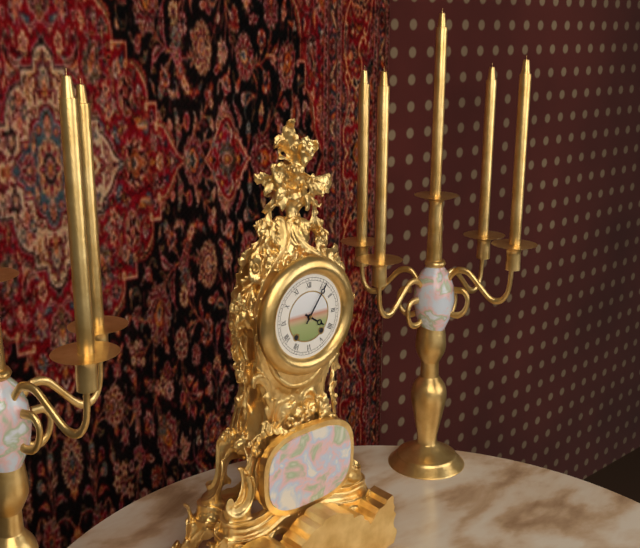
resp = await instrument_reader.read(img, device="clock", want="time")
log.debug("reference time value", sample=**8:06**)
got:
**4:06**
